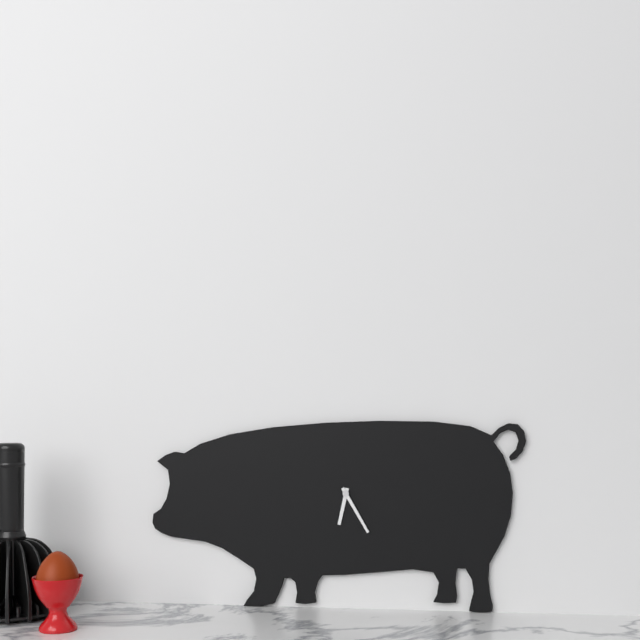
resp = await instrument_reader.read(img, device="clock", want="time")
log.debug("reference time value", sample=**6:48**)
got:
**6:25**
